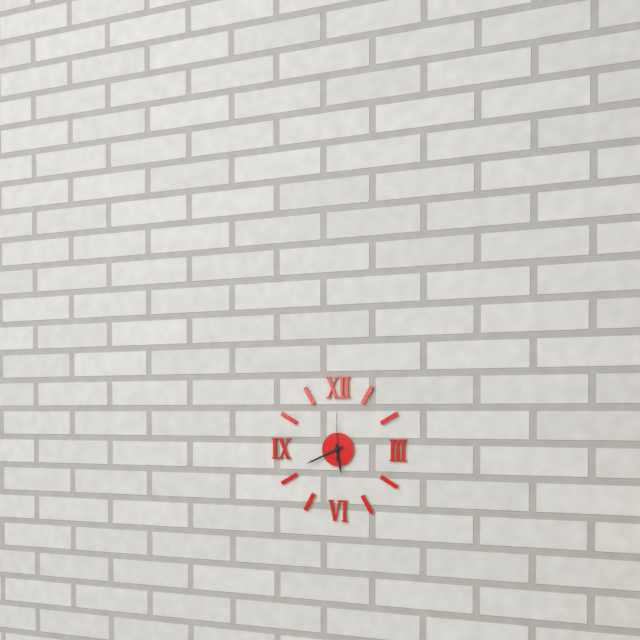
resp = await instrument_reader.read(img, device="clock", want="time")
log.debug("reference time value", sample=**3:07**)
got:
**5:41**
